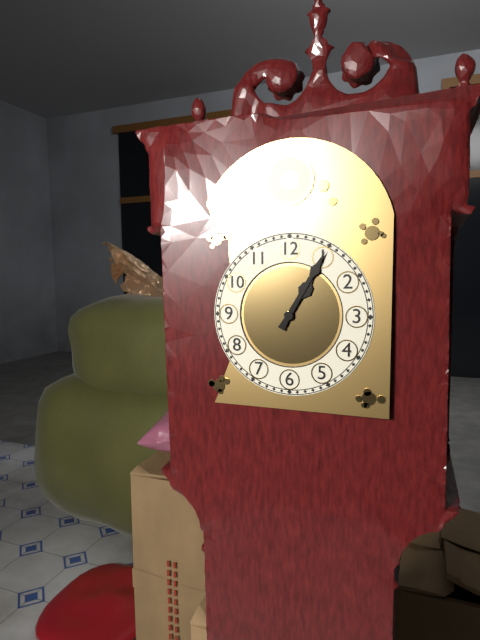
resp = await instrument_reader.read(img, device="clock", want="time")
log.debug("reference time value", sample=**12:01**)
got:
**1:05**
